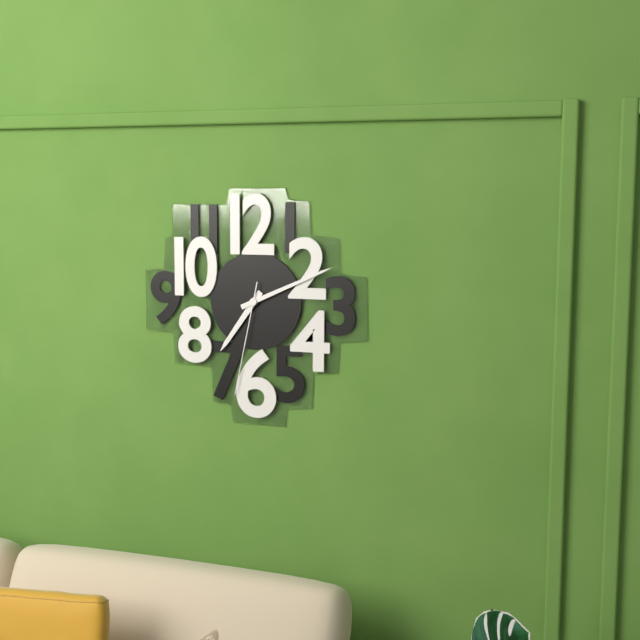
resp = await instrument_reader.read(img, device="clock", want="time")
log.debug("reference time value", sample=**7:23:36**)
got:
**7:11:32**
